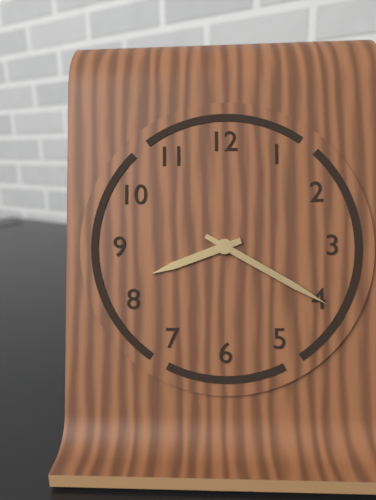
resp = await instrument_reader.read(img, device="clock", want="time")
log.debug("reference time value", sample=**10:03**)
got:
**8:20**
